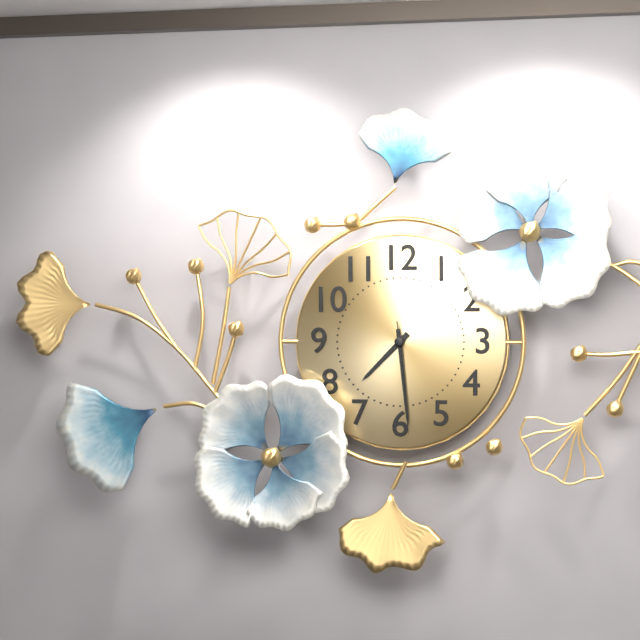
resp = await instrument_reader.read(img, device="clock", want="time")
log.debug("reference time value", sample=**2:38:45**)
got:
**7:29:29**
